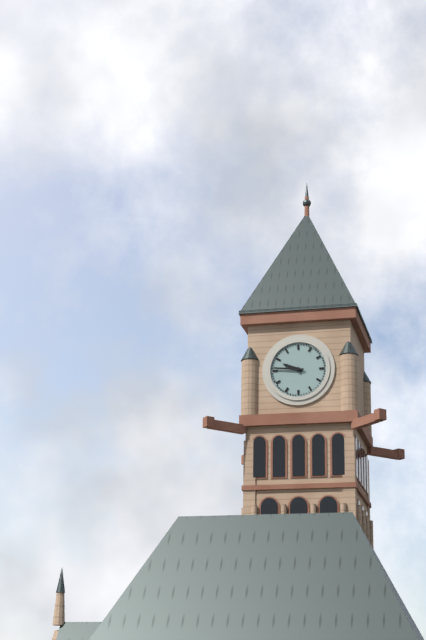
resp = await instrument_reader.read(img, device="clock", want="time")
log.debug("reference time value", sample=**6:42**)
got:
**9:46**
